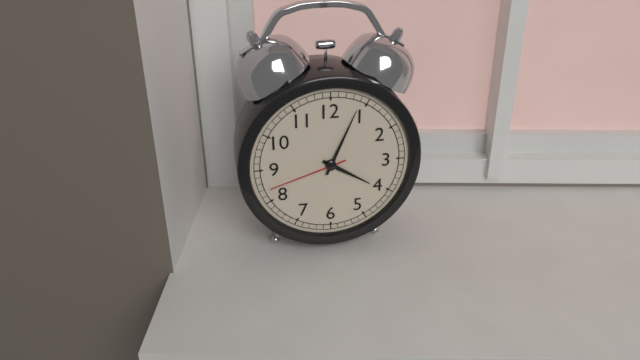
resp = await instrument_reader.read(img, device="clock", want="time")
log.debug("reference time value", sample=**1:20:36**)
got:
**4:04:42**
